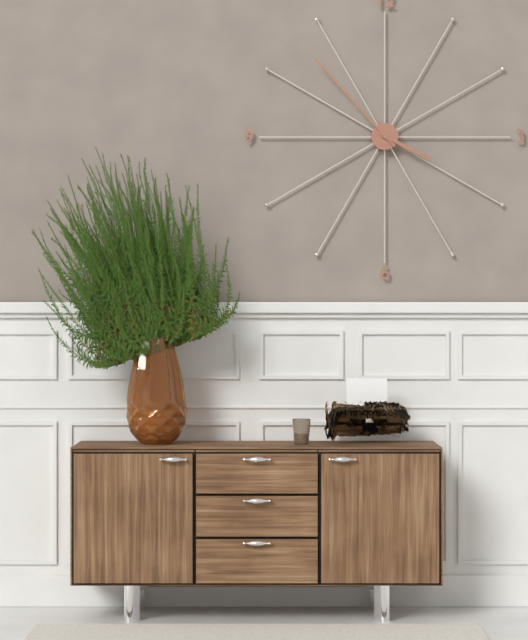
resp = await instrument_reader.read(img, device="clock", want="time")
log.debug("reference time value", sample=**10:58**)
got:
**3:53**
